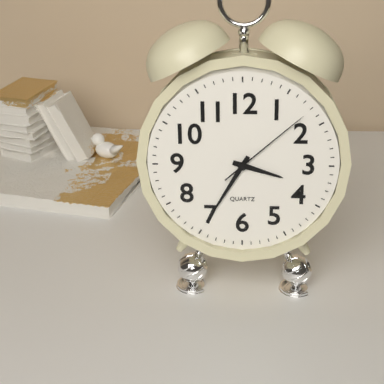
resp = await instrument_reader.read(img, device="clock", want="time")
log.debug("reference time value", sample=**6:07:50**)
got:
**3:35:08**
